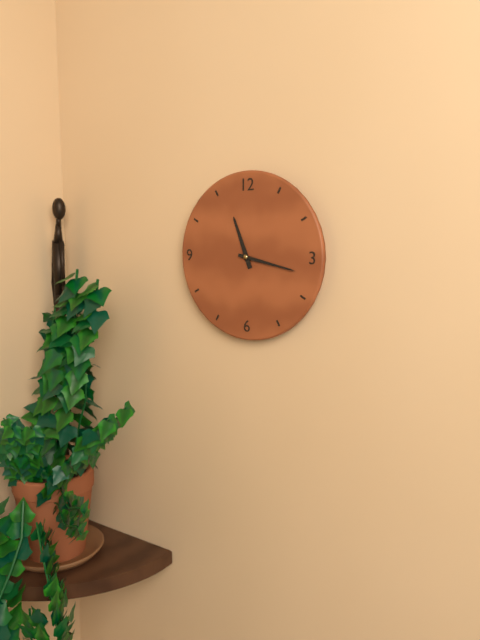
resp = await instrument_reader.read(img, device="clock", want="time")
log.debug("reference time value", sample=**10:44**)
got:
**11:17**
